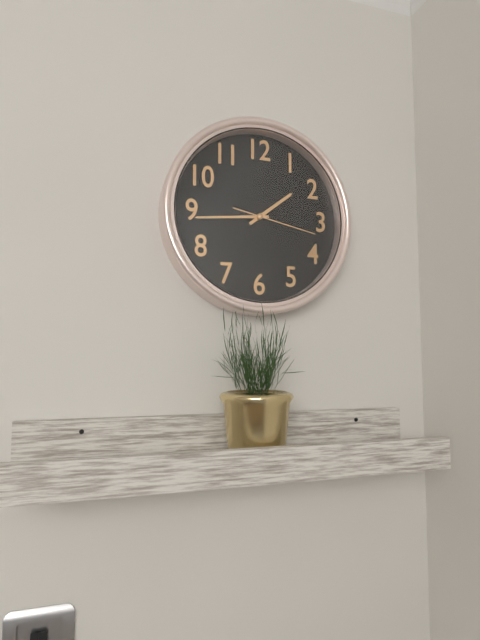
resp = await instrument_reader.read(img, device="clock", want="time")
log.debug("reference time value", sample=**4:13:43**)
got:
**1:44:17**
